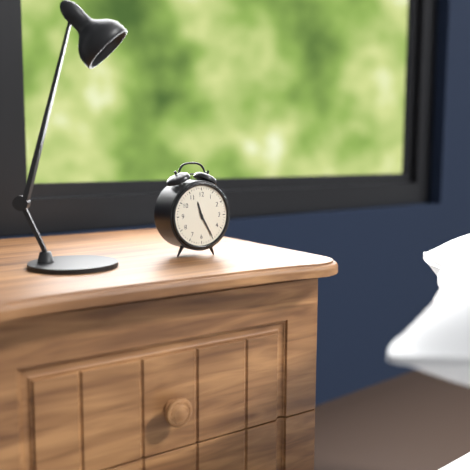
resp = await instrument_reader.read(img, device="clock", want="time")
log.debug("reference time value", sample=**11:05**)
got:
**11:25**
